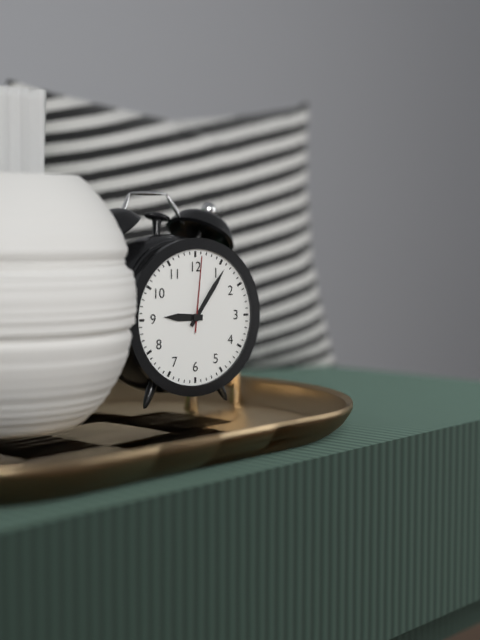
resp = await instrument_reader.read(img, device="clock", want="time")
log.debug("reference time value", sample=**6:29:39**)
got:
**9:06:01**
